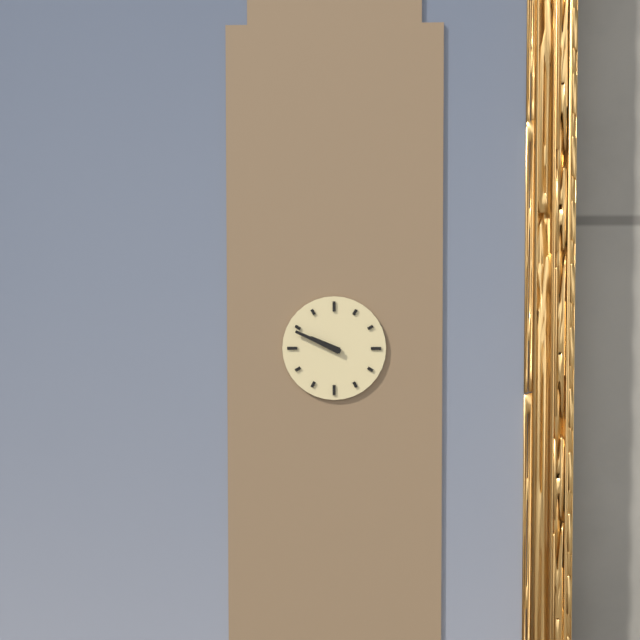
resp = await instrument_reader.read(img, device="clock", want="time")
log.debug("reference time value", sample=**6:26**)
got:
**9:49**
